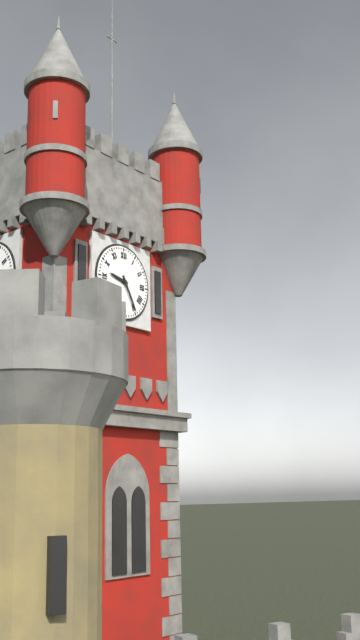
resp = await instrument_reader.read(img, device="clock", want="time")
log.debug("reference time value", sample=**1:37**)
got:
**9:25**
